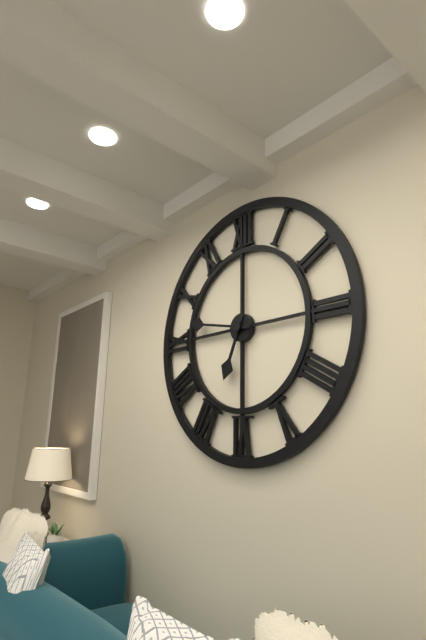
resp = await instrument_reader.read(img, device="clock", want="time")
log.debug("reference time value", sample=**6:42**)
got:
**6:47**
